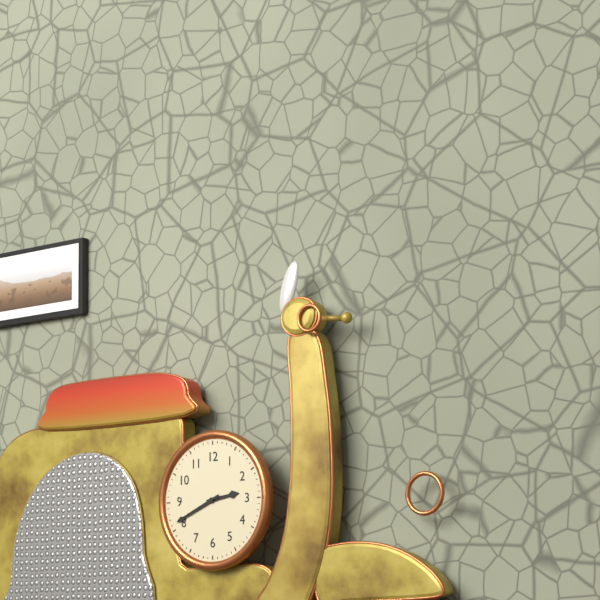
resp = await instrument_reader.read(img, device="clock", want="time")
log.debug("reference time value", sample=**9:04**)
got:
**2:41**
